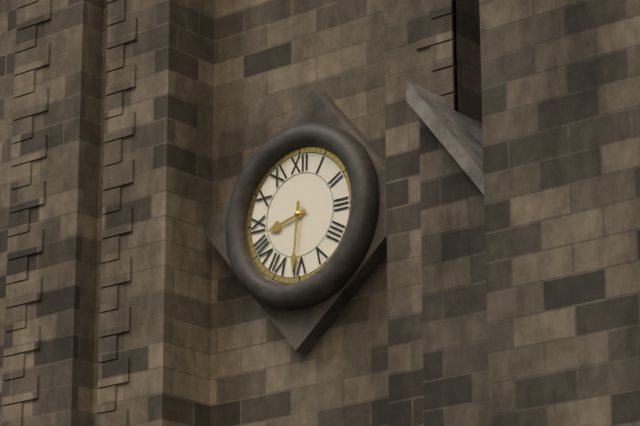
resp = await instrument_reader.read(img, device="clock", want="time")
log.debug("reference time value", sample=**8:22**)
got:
**8:31**
